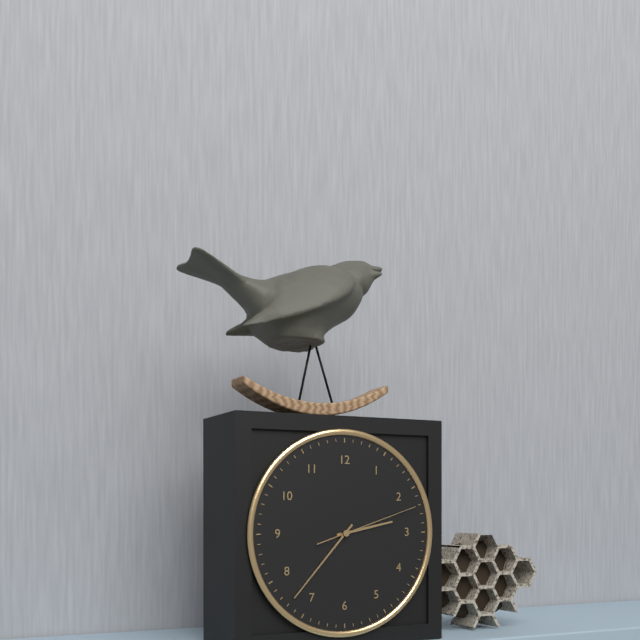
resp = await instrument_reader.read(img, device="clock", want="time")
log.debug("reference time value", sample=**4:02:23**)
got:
**2:37:12**
